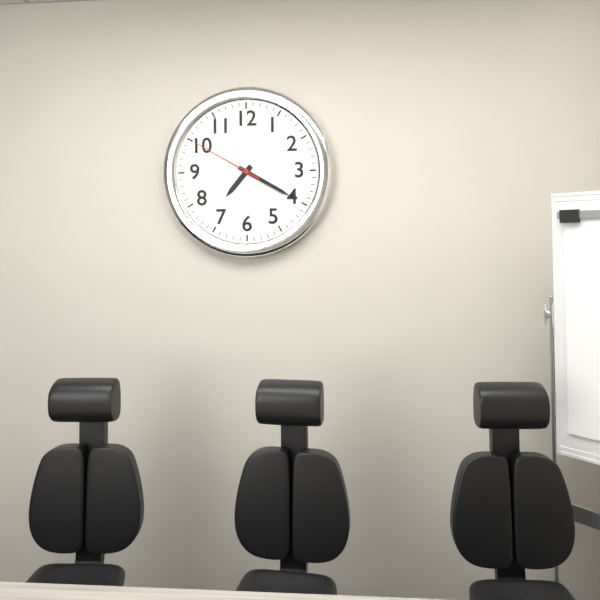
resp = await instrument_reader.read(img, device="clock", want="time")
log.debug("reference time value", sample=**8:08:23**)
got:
**7:20:50**
